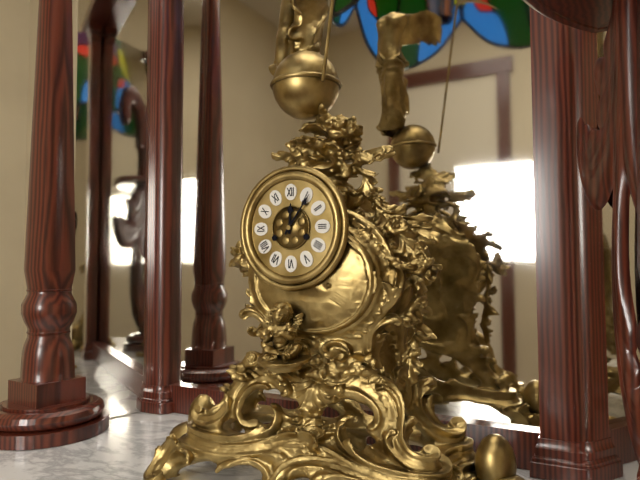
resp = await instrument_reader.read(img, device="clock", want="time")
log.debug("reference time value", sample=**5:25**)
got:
**12:06**
